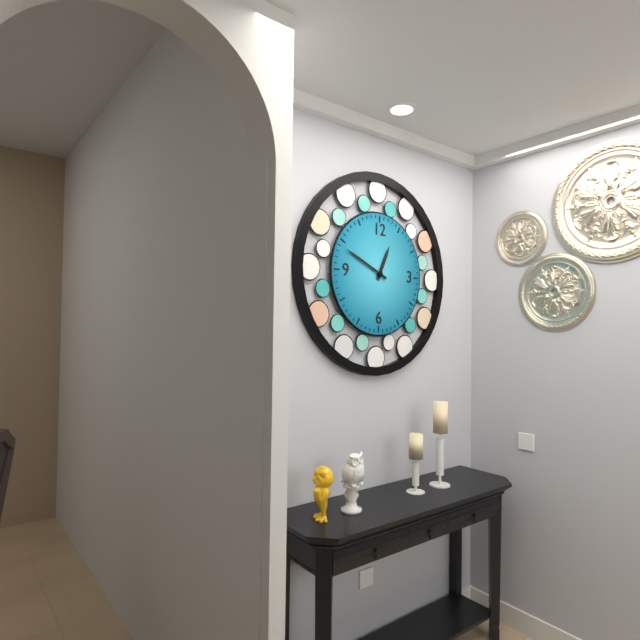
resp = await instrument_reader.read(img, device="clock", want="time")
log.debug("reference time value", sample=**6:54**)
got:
**12:49**
